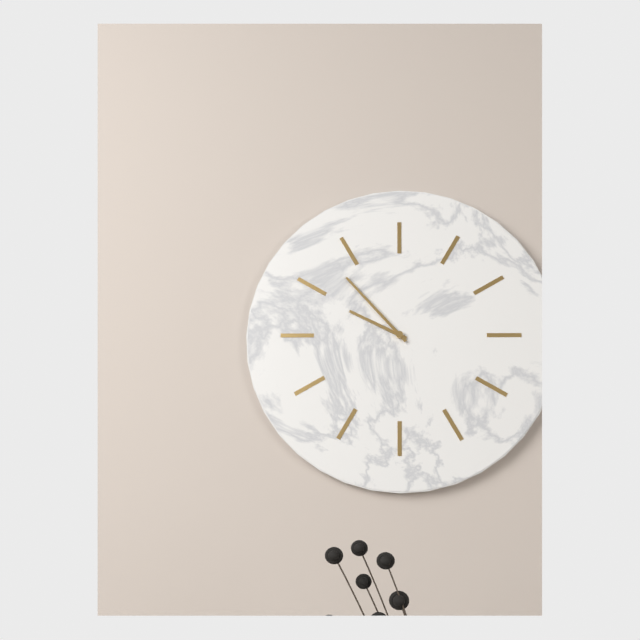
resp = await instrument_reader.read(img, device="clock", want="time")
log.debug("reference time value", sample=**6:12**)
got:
**9:53**
